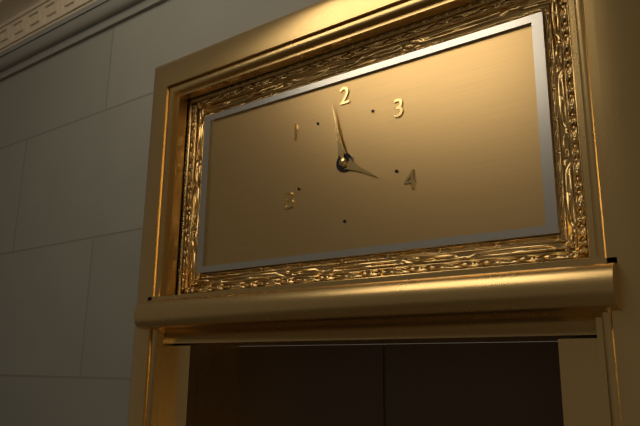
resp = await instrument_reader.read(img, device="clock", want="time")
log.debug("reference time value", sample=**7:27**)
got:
**3:58**
